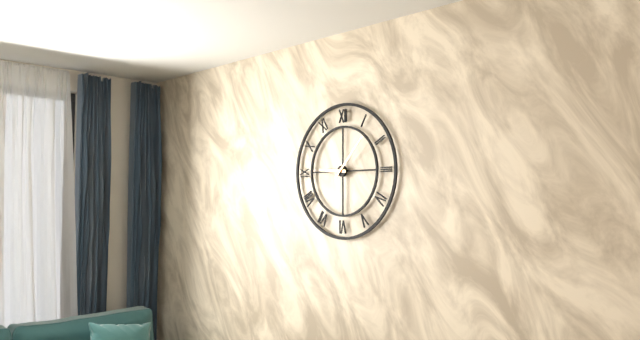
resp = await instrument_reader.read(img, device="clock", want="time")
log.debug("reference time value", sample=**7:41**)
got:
**9:07**
